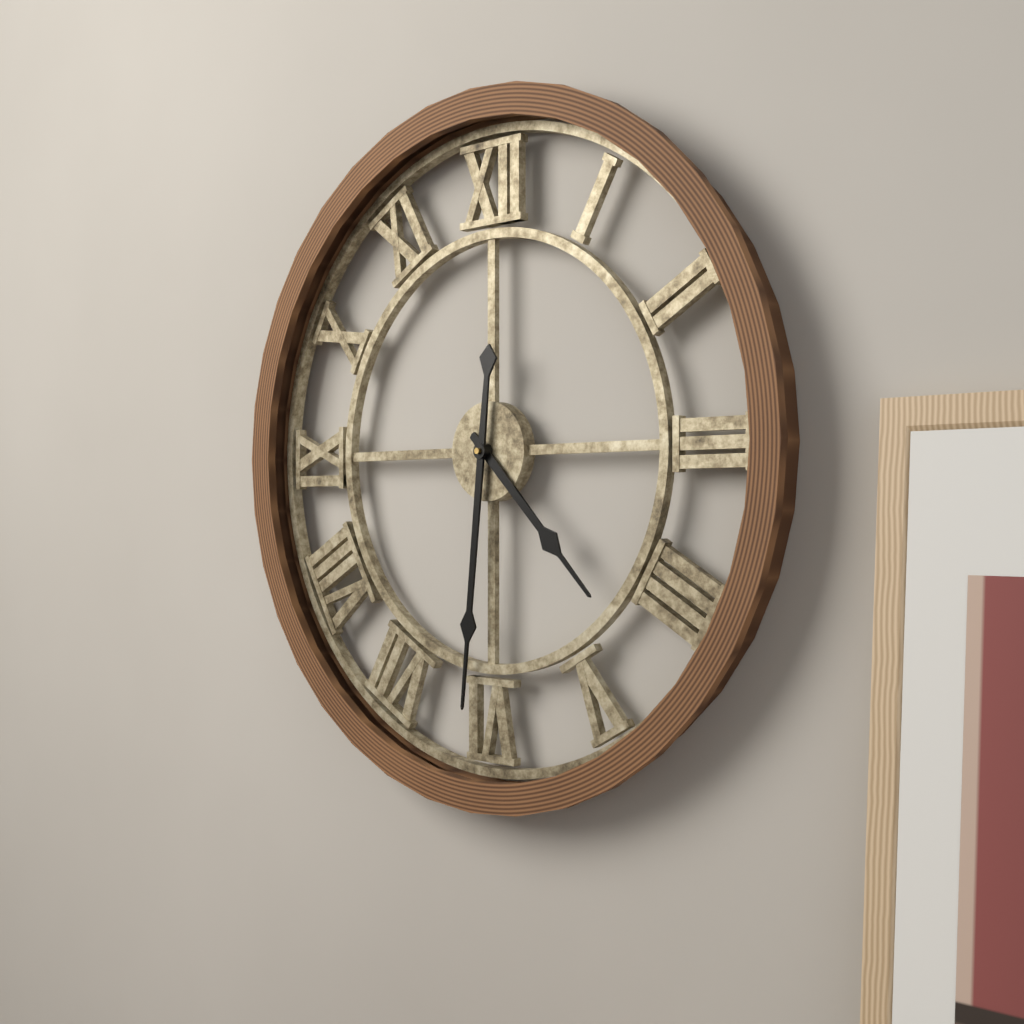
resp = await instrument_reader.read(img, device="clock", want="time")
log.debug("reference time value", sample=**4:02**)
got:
**4:31**
